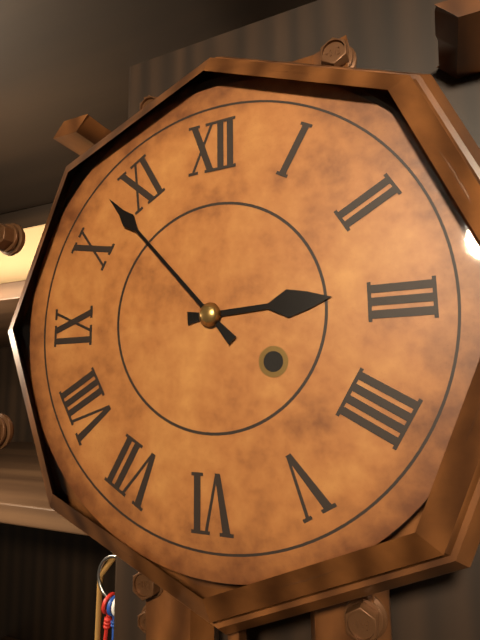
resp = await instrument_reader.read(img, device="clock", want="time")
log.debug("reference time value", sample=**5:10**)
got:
**2:53**
